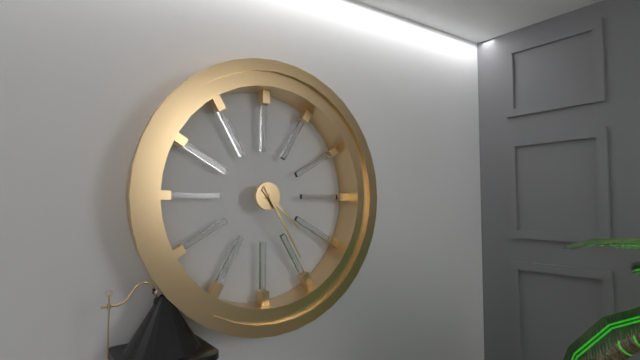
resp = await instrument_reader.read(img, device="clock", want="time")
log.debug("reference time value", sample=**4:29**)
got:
**4:25**
